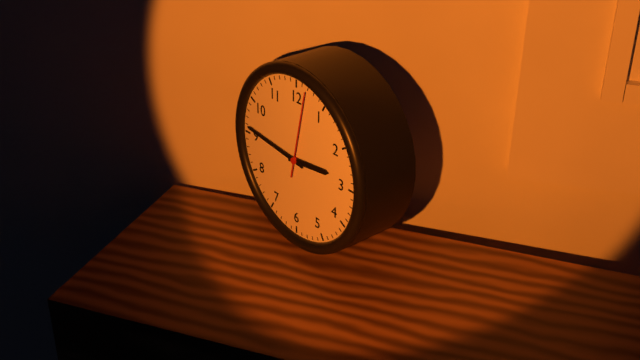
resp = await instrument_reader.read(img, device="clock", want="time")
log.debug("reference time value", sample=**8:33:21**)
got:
**2:46:02**
